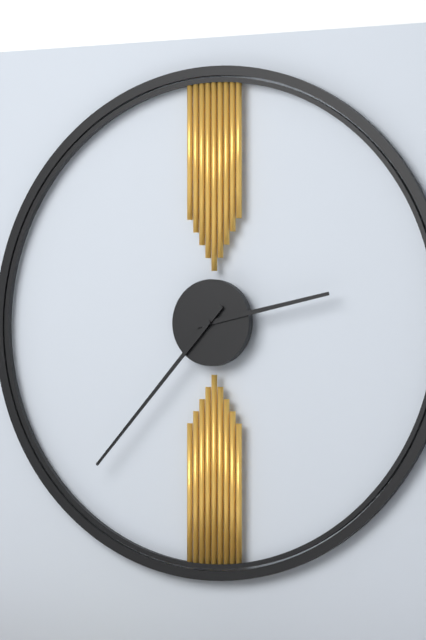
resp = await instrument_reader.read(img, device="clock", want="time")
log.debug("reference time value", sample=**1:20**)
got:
**2:37**
